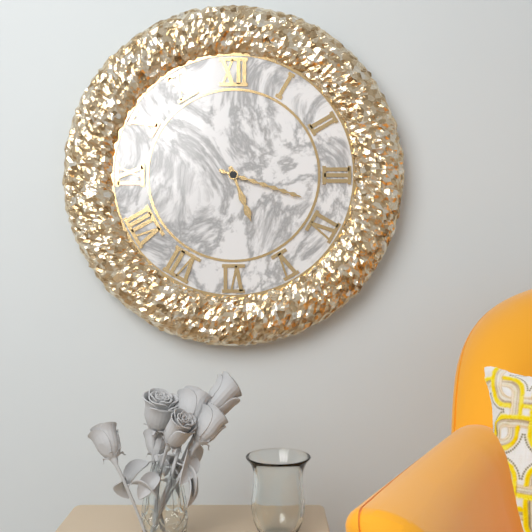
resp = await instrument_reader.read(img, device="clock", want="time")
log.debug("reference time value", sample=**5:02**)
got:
**5:18**
